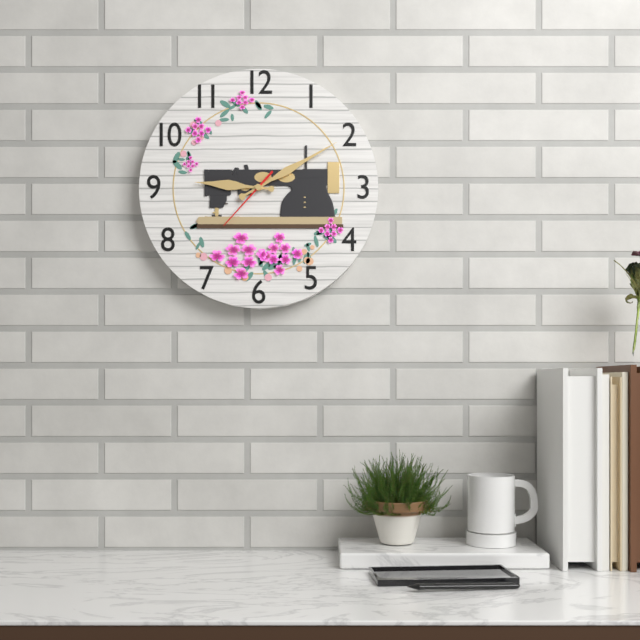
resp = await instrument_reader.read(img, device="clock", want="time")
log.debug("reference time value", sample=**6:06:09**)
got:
**9:10:37**
